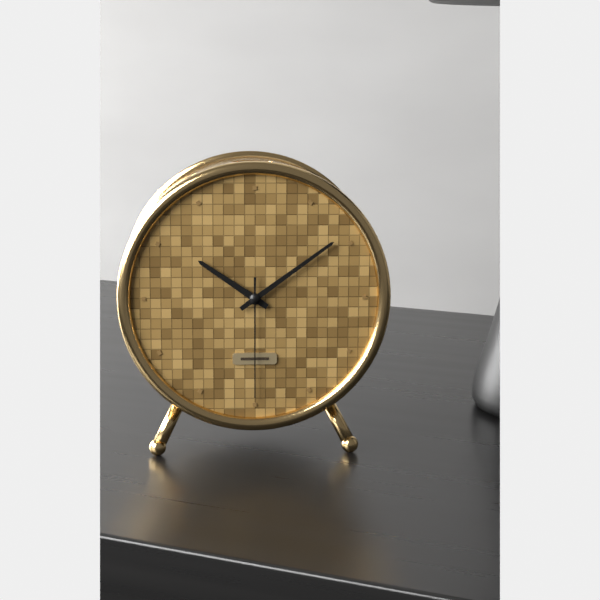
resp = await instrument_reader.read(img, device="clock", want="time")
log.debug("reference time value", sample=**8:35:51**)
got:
**10:09:30**
